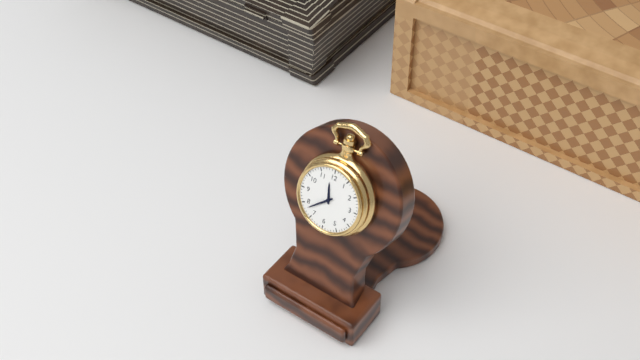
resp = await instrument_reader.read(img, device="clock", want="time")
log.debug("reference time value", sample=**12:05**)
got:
**11:38**
